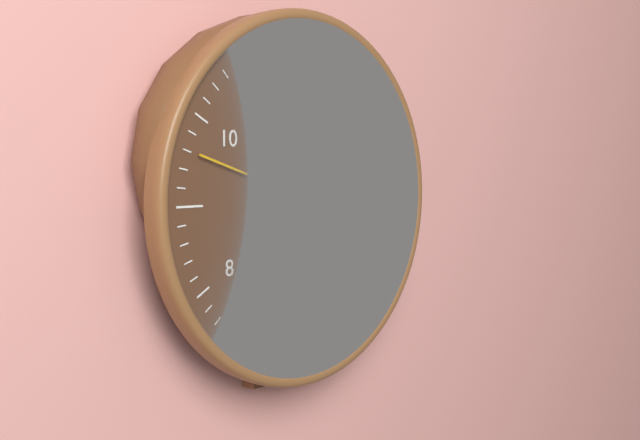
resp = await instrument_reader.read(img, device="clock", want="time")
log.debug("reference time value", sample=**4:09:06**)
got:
**6:23:48**
